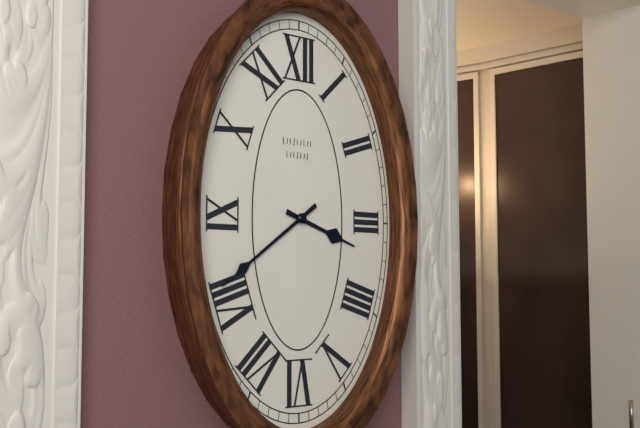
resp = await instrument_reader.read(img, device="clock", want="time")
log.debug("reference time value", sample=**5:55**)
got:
**3:39**
